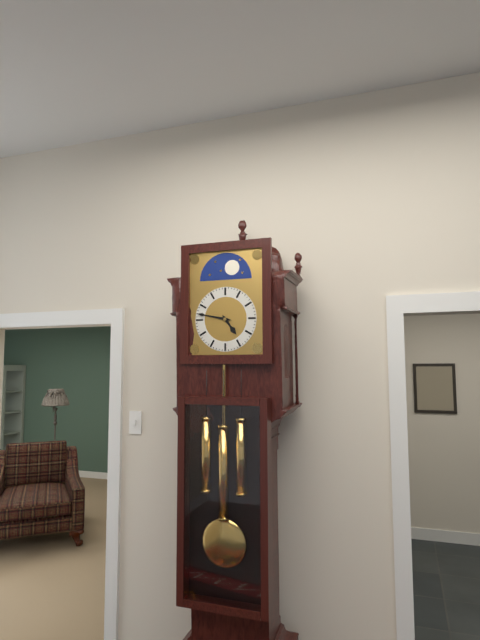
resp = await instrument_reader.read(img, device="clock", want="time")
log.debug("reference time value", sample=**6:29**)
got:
**4:47**
